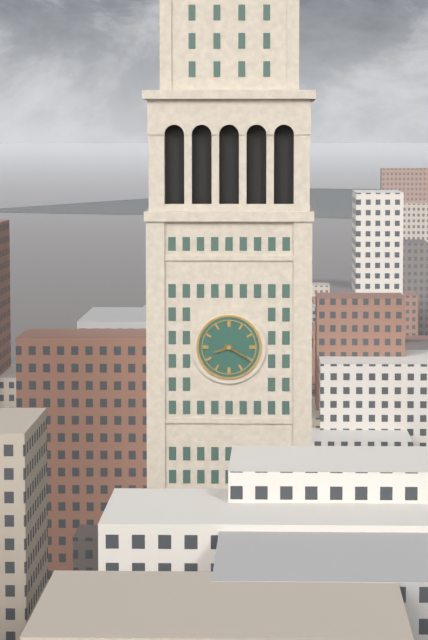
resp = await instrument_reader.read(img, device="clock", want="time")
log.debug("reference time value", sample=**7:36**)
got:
**8:20**
